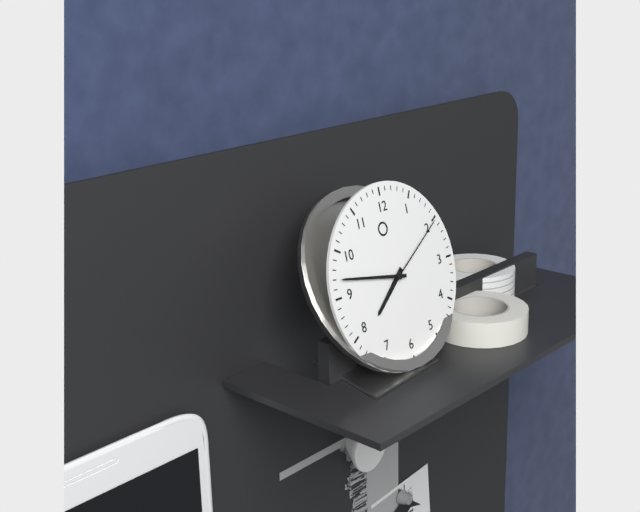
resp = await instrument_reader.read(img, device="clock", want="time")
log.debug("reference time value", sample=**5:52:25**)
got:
**7:47:10**
